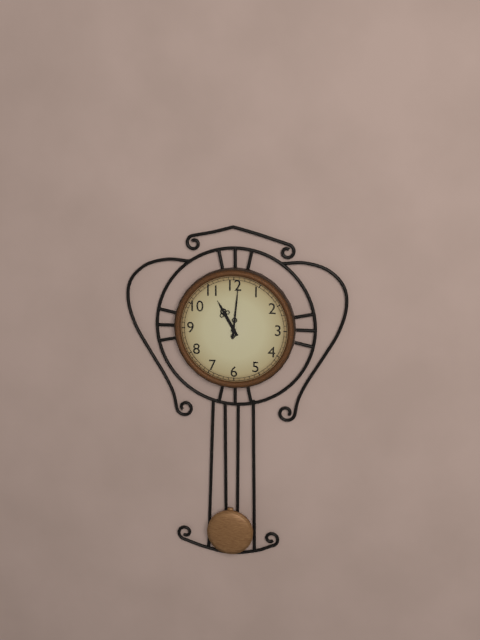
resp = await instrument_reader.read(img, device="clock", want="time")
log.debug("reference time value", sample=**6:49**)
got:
**11:01**
